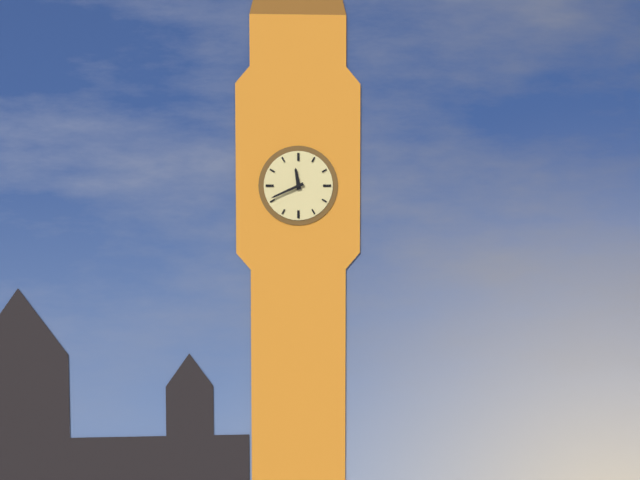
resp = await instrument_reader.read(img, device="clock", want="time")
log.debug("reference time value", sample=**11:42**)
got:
**11:41**
